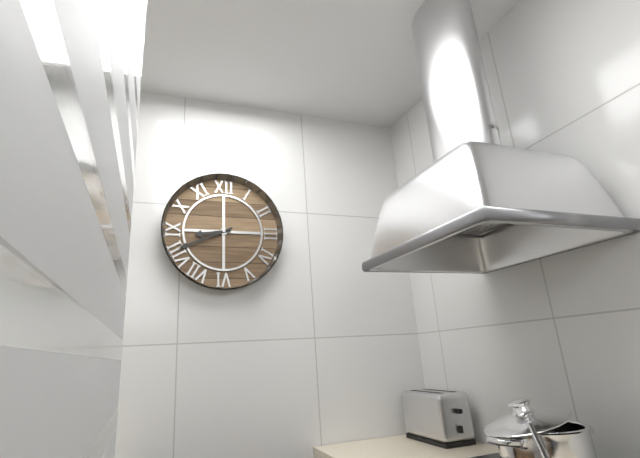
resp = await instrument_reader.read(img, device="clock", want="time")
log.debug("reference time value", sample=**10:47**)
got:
**8:41**
